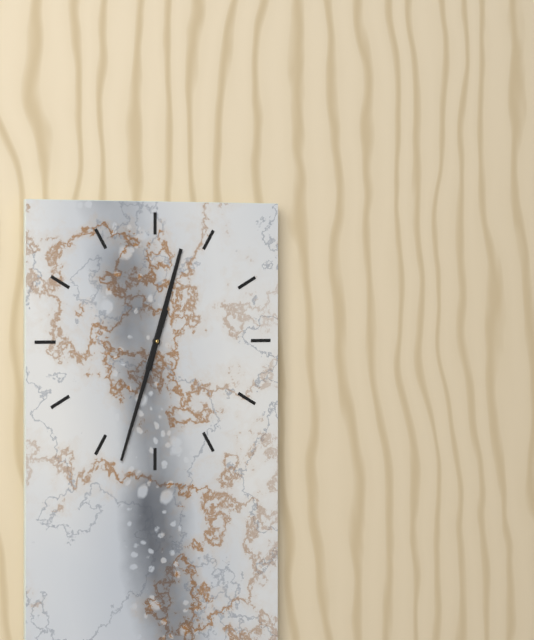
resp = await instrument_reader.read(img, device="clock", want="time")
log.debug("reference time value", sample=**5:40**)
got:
**12:33**
